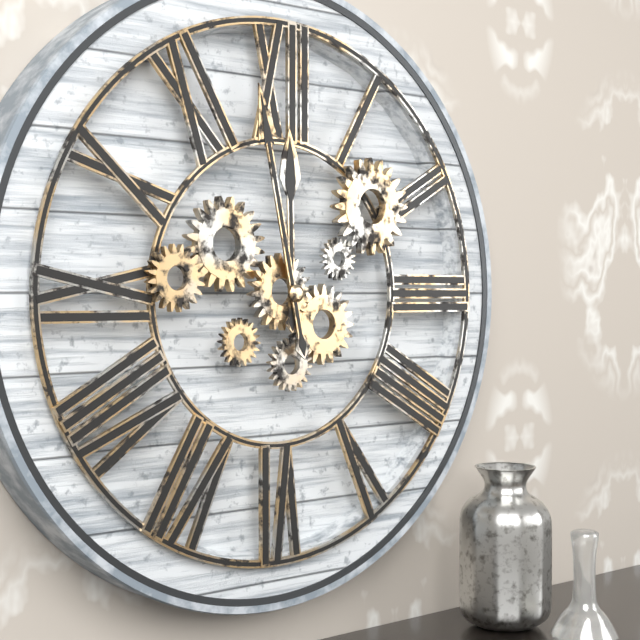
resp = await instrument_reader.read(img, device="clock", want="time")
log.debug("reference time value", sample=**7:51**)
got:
**11:58**
